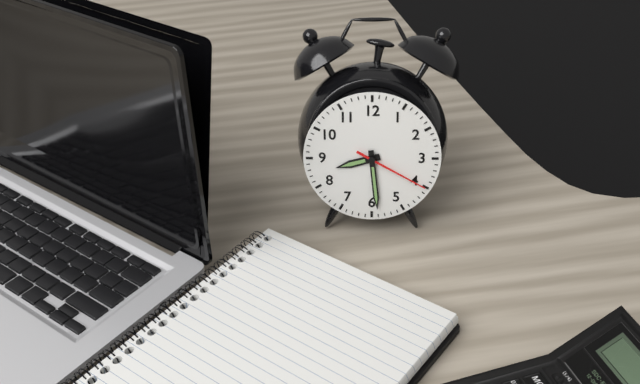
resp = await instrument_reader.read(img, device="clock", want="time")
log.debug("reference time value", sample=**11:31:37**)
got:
**8:29:20**
